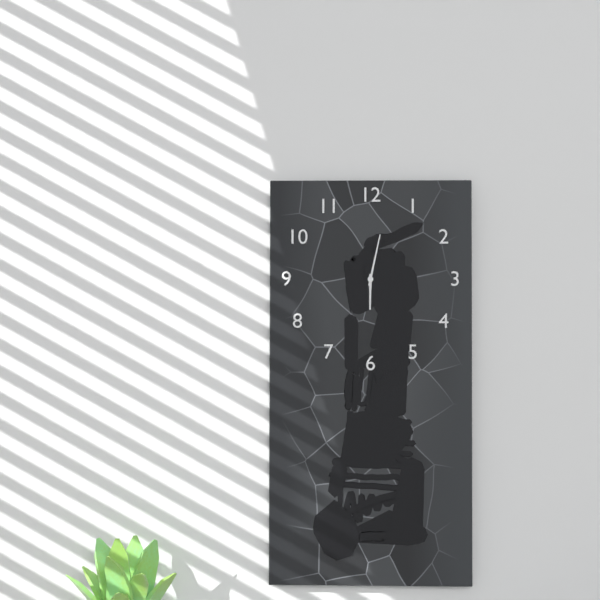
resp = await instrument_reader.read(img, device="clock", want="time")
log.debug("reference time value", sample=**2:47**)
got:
**6:02**
